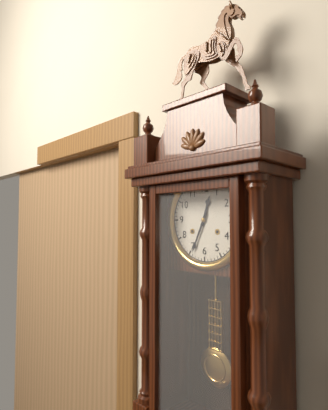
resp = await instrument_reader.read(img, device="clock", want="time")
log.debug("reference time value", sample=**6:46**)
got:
**12:34**
